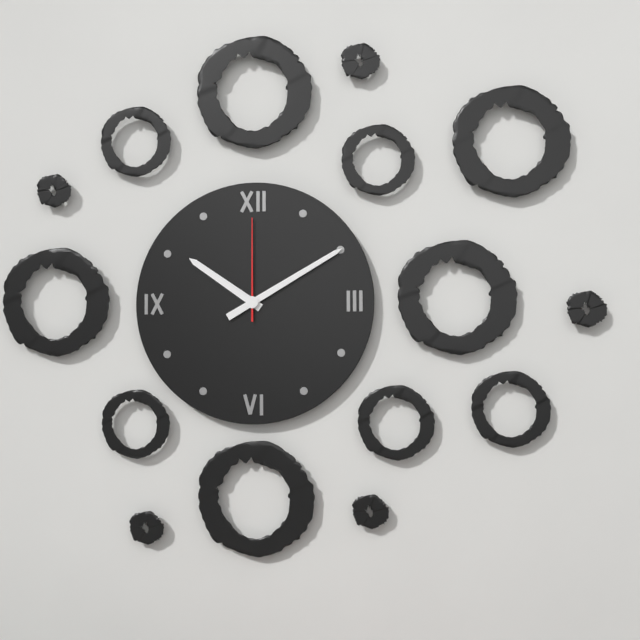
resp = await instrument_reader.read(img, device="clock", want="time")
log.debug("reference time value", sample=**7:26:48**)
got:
**10:10:00**
